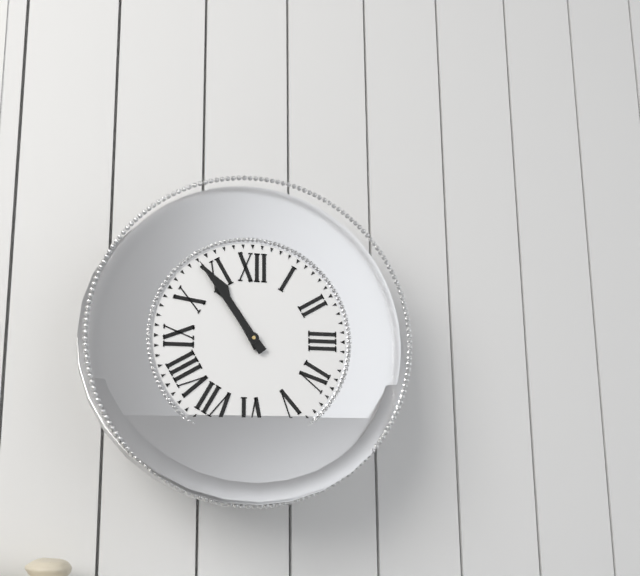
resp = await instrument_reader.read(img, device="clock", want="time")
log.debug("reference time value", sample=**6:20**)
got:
**10:54**
